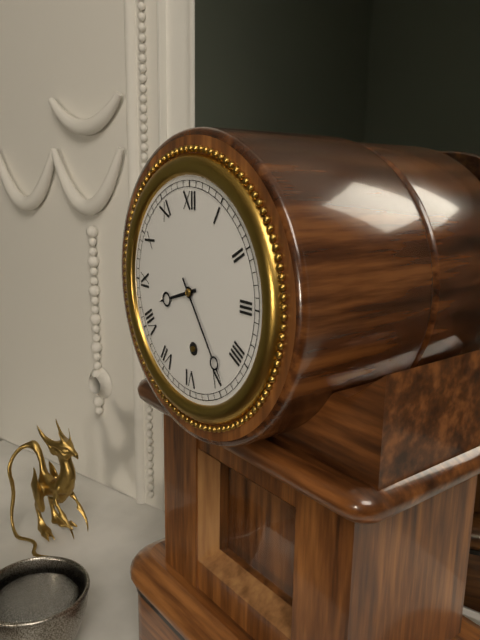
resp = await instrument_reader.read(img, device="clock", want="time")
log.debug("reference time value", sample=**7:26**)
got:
**8:24**
